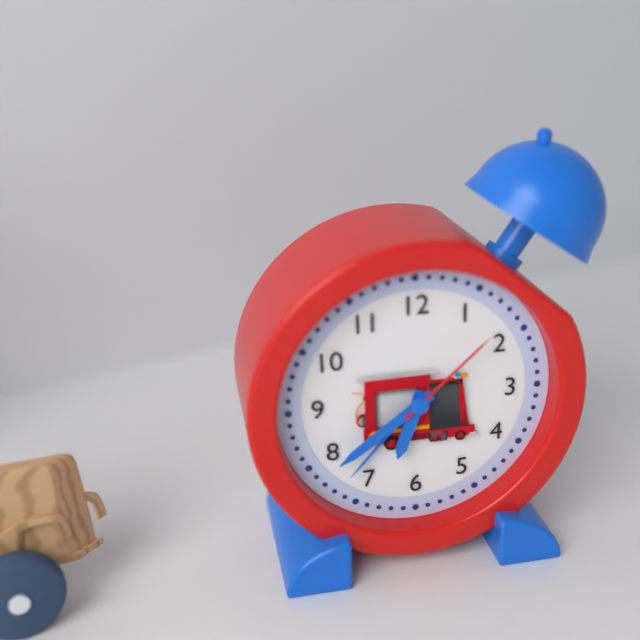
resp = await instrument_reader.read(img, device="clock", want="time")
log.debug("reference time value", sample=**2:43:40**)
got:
**6:39:08**
